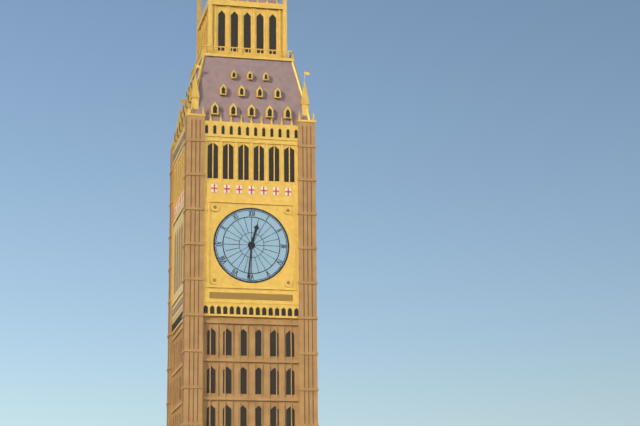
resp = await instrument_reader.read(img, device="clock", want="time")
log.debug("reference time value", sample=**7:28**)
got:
**12:31**
